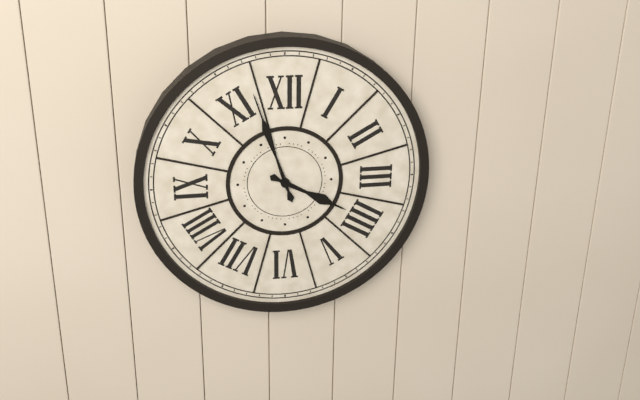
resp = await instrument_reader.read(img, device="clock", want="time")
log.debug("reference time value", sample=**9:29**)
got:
**3:57**
